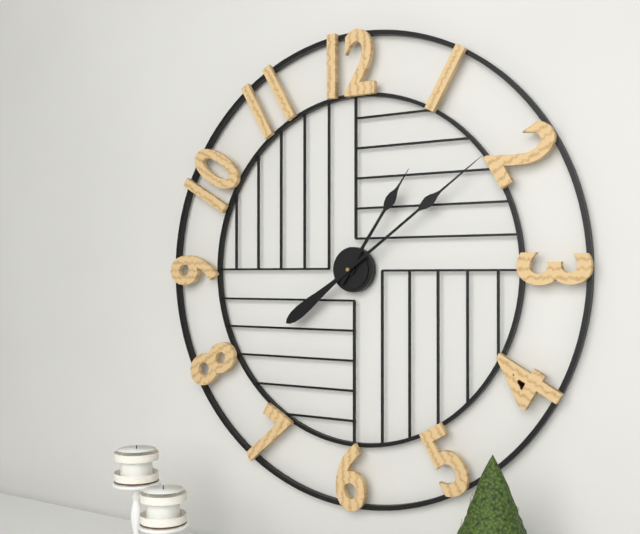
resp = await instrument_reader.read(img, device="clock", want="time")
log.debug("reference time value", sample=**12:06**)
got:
**1:09**
